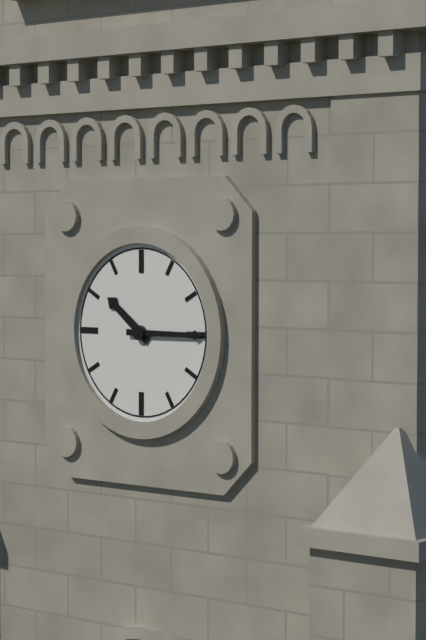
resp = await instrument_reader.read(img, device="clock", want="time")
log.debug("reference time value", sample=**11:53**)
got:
**10:15**
